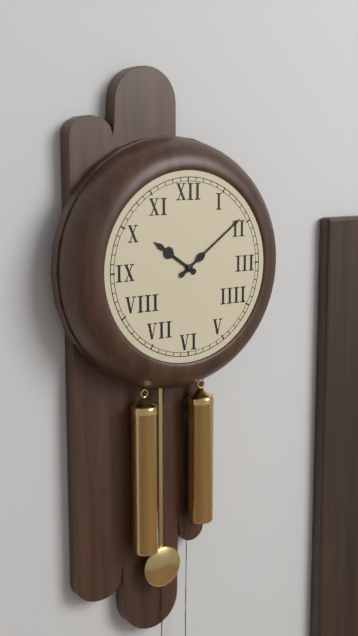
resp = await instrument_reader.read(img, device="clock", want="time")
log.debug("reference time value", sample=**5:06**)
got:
**10:09**
